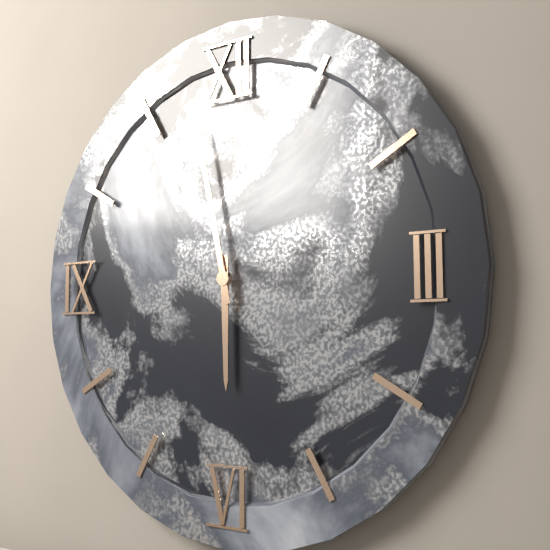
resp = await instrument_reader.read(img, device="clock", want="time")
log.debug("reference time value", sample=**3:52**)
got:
**5:58**
